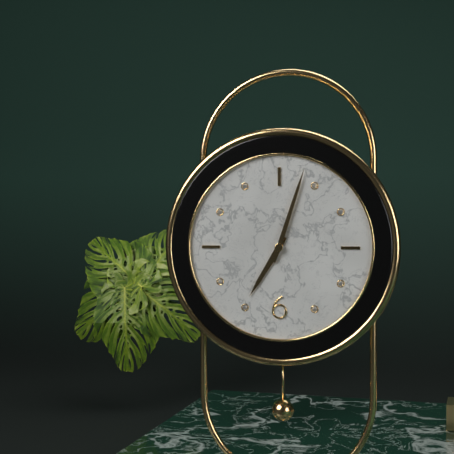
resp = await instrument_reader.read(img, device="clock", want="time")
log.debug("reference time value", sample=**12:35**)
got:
**7:03**
